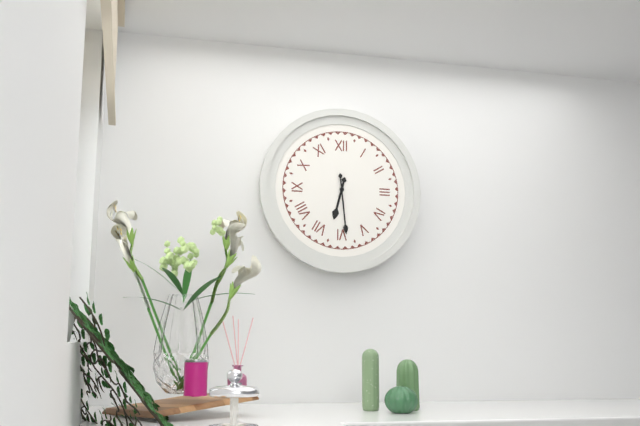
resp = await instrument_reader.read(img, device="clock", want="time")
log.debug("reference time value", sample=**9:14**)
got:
**6:29**
